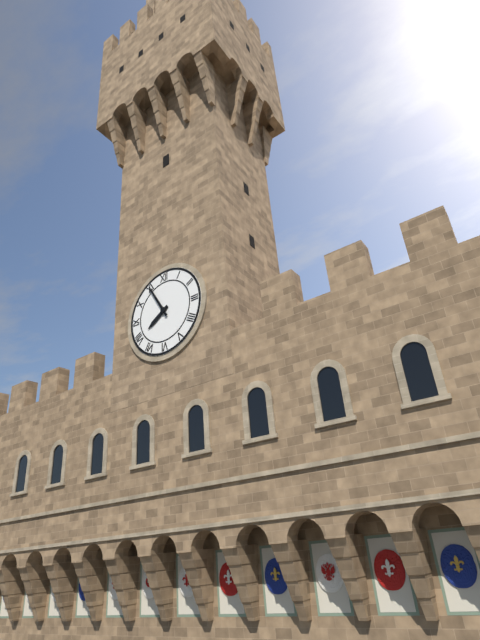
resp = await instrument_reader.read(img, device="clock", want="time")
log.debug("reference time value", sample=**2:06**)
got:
**7:55**
